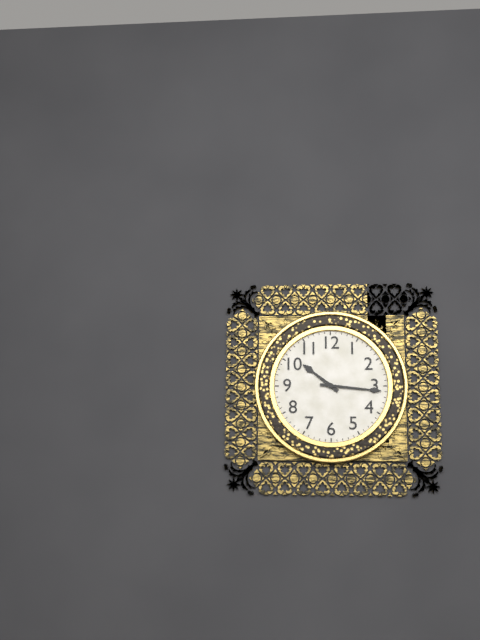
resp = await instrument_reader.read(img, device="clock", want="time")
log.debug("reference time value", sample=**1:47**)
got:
**10:16**
